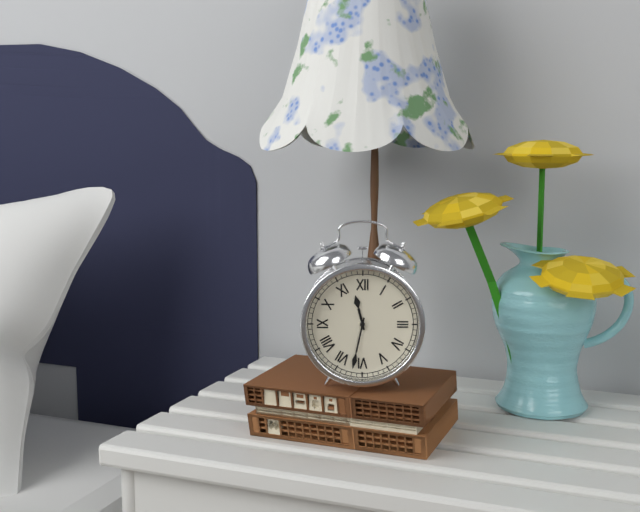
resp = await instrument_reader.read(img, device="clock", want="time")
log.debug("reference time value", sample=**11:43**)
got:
**11:32**
